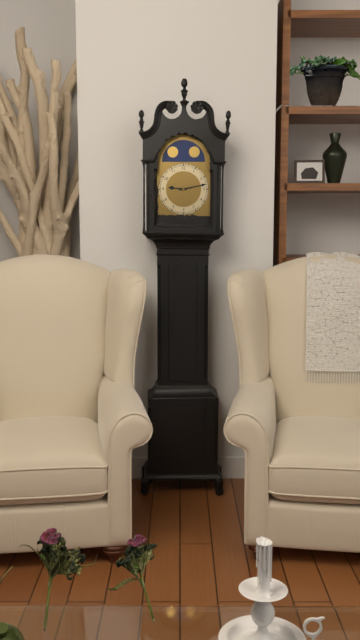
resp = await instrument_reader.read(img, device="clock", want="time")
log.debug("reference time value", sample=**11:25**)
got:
**9:13**
